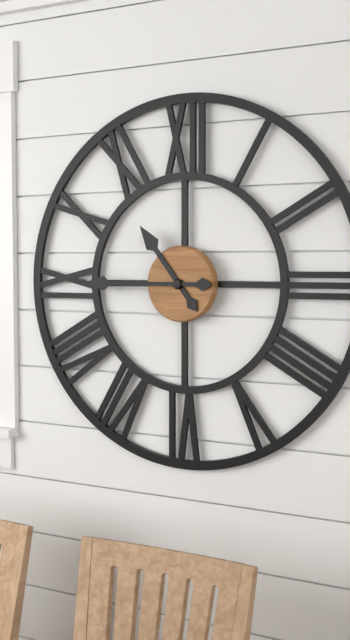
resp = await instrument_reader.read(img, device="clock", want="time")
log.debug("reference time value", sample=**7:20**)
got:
**10:45**
